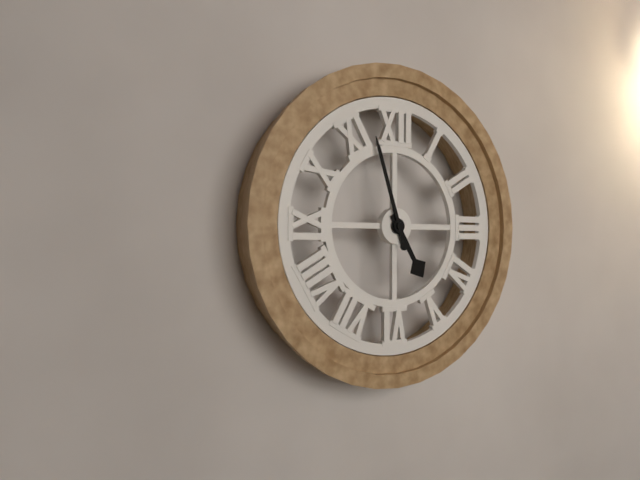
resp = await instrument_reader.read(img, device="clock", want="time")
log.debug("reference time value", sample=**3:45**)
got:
**4:57**
